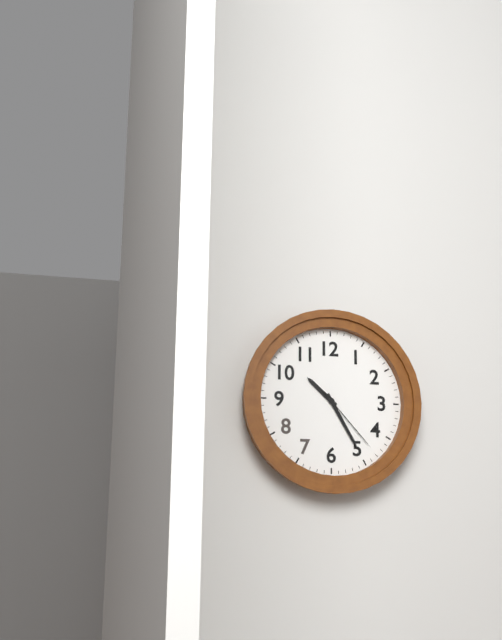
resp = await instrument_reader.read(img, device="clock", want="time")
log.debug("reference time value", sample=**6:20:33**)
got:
**10:25:23**
